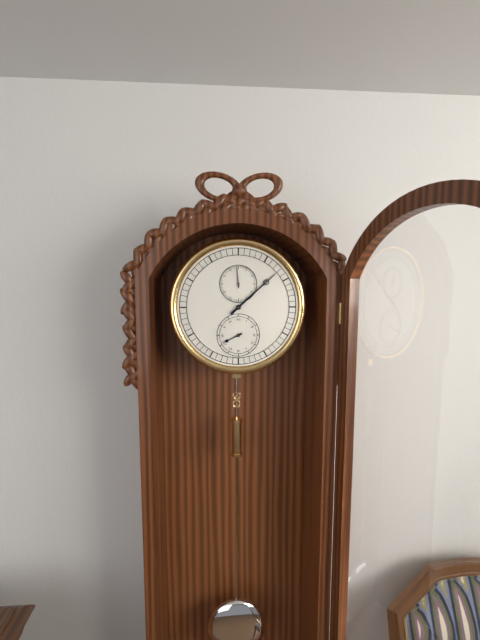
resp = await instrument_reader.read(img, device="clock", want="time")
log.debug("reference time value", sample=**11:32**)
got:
**8:08**
